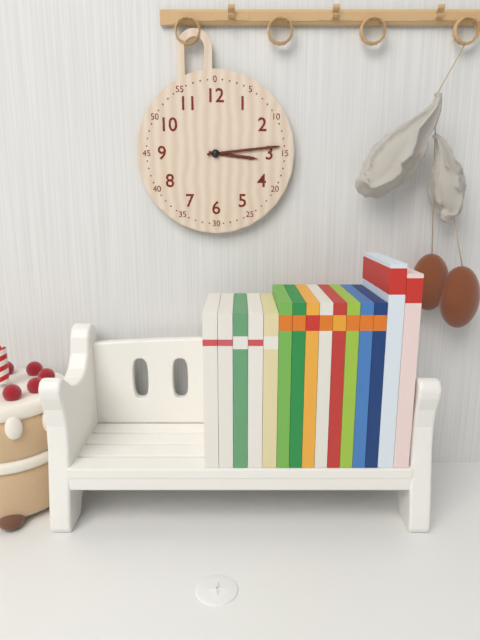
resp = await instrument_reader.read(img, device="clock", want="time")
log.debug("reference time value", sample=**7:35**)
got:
**3:14**
